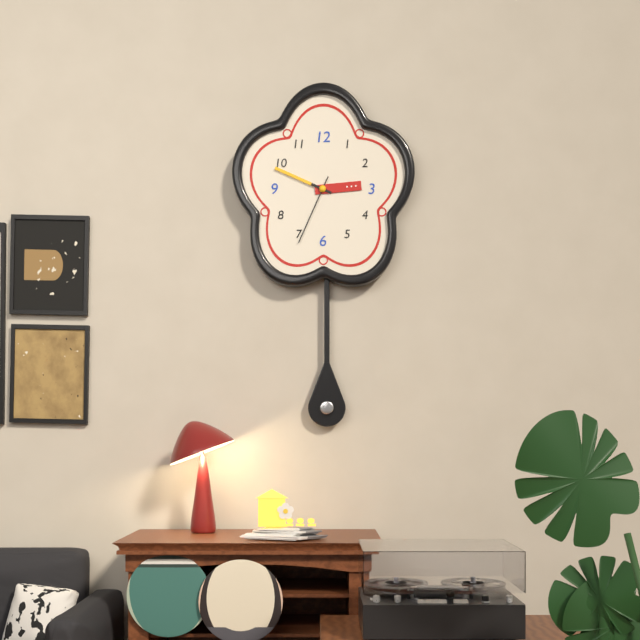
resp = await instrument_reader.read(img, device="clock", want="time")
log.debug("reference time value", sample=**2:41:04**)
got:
**2:49:34**
